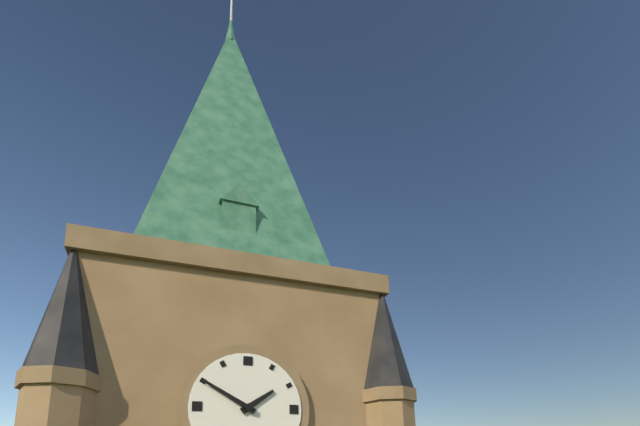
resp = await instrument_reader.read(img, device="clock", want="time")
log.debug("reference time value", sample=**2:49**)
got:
**1:50**
